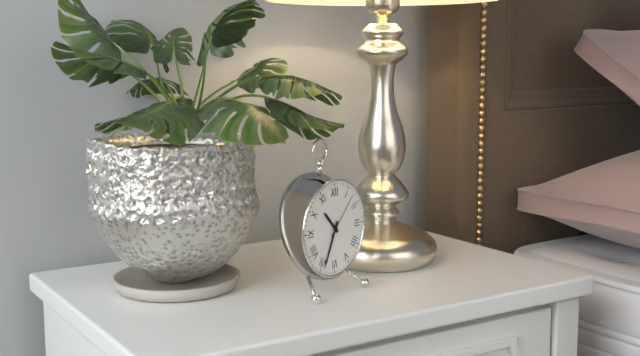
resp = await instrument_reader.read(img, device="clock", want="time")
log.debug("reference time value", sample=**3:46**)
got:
**10:34**
